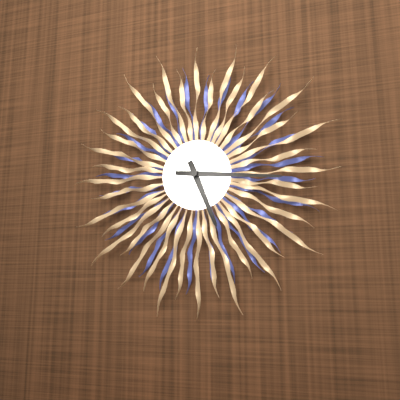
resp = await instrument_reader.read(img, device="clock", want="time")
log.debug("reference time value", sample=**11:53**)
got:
**5:16**
